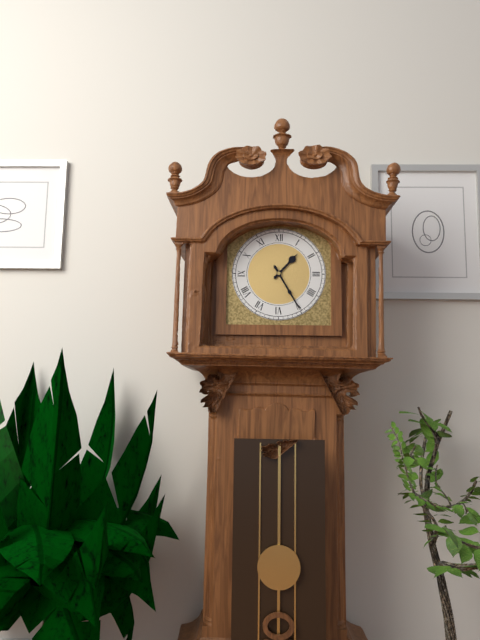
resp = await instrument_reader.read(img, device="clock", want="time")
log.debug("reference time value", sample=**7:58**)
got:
**1:25**
